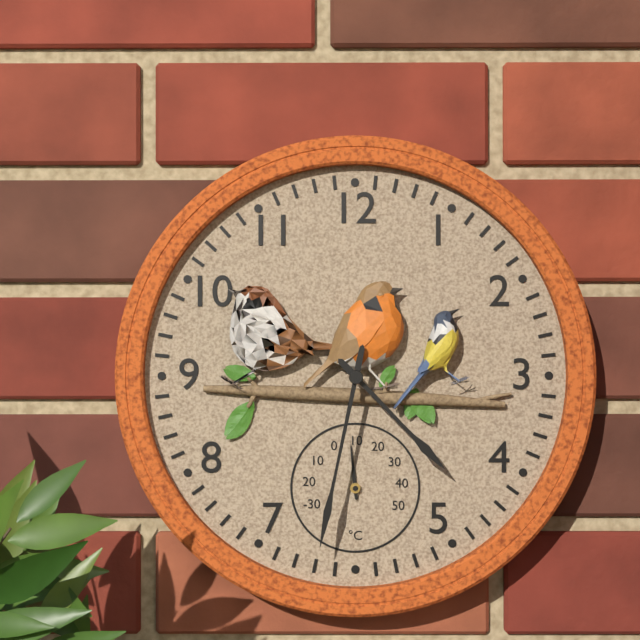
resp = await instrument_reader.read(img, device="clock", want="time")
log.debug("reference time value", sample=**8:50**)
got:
**4:32**
